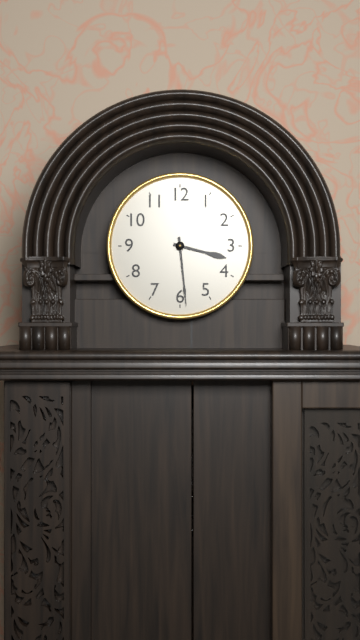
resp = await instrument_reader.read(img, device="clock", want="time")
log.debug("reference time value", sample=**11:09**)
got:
**3:29**
